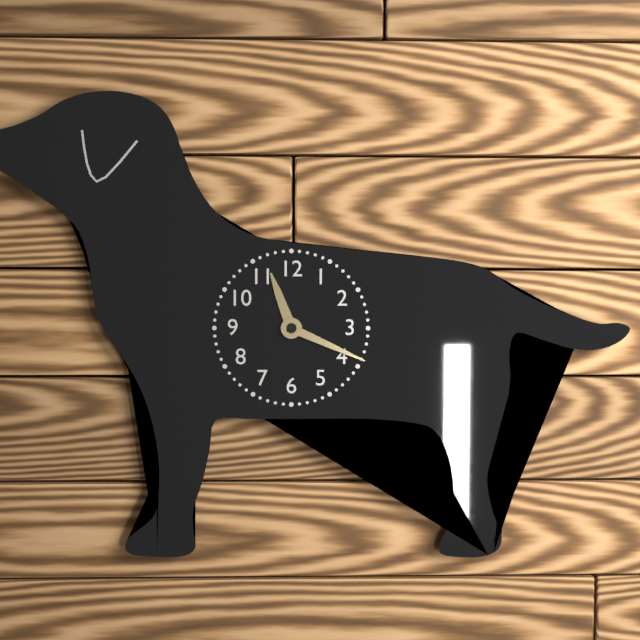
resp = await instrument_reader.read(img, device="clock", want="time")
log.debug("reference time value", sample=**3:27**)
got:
**11:19**
